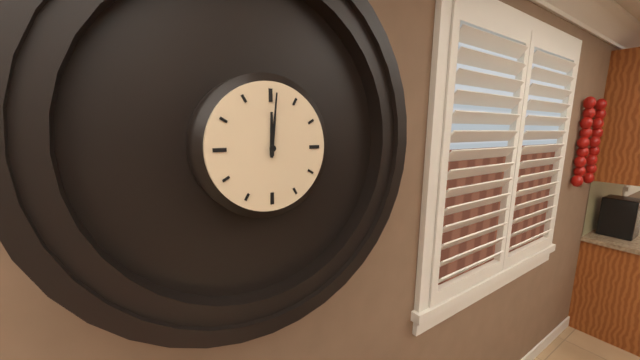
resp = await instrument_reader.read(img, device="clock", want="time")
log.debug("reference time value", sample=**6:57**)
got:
**12:01**
